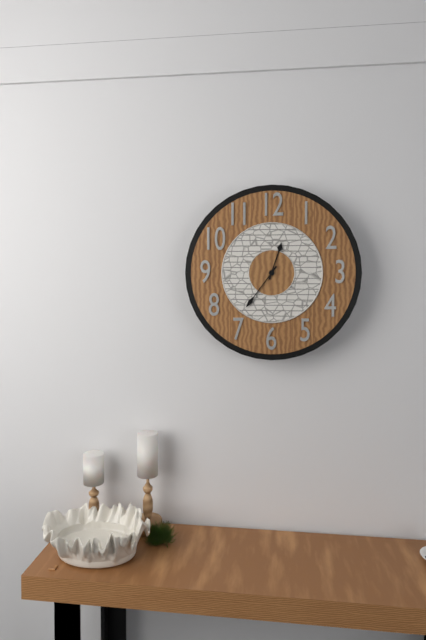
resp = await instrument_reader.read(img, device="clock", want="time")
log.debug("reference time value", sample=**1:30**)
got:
**12:36**
